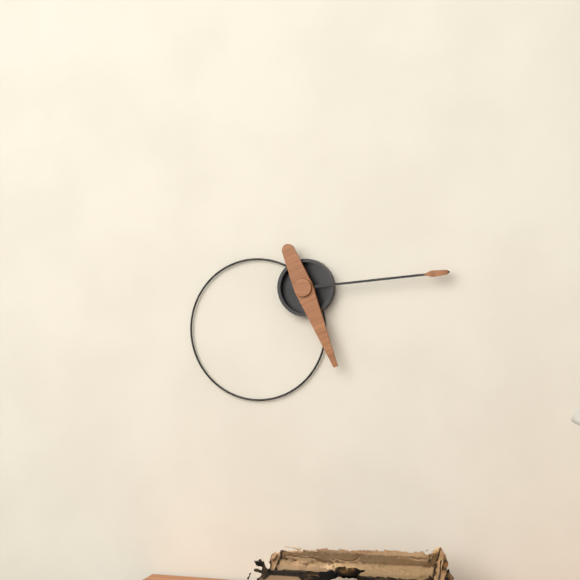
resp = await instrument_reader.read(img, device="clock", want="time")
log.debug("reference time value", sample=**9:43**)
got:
**5:14**
